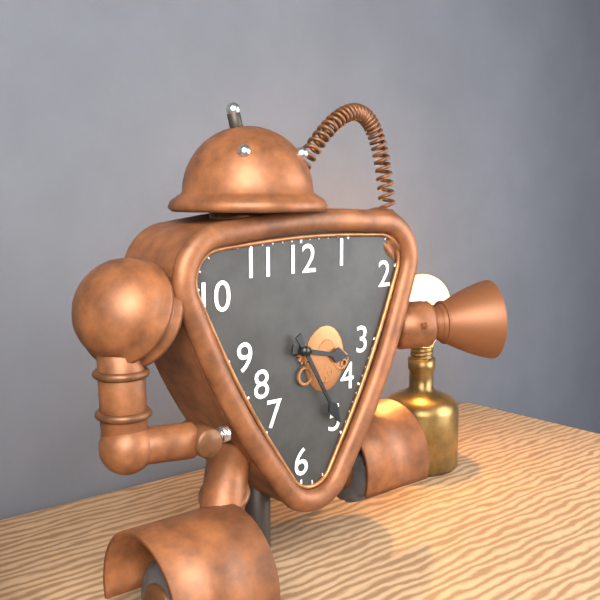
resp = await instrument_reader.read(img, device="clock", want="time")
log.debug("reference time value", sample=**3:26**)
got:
**3:25**
